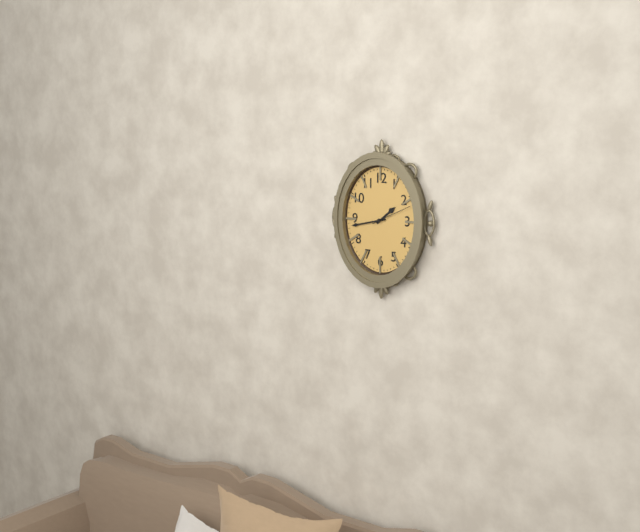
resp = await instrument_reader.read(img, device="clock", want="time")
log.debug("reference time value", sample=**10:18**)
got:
**1:43**
